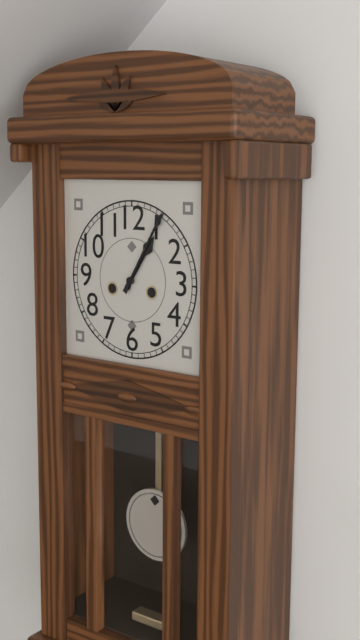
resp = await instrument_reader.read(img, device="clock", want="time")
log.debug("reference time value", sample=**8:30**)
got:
**1:05**
